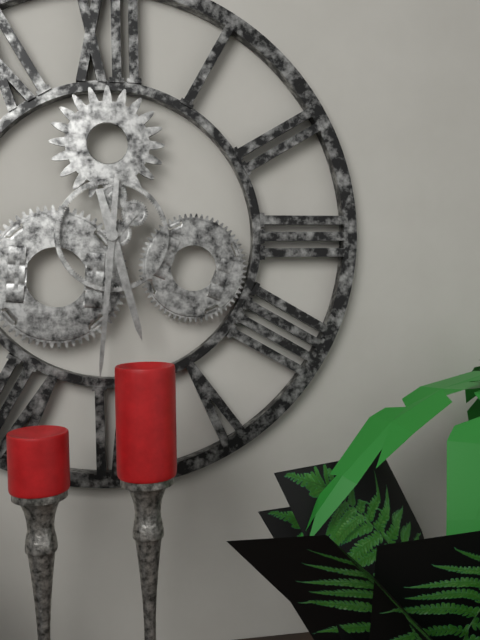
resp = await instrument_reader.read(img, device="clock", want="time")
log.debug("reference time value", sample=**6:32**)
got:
**5:31**
